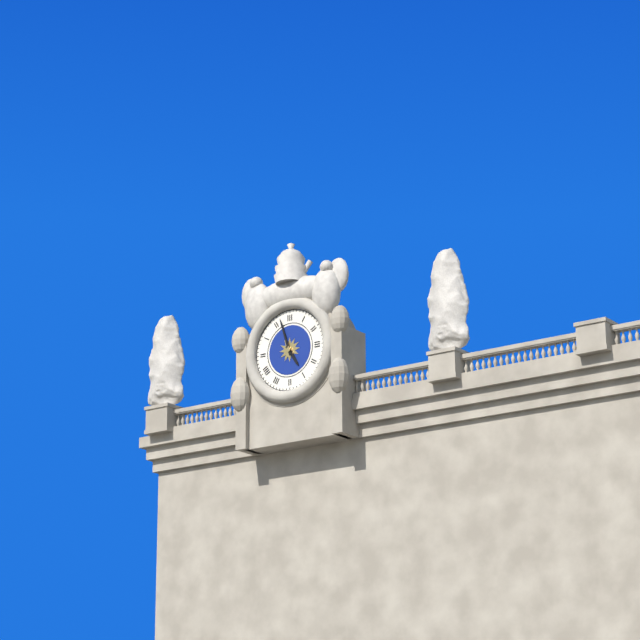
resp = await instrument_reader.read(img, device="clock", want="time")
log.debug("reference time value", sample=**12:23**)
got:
**4:57**
